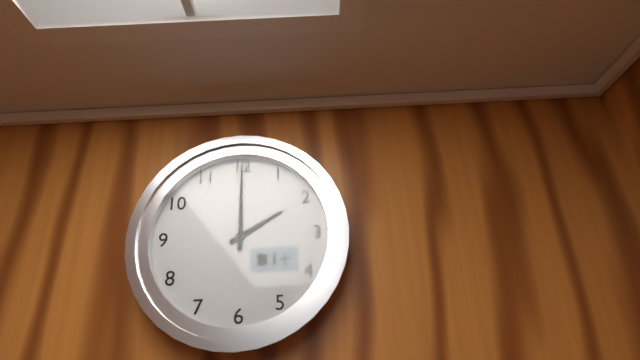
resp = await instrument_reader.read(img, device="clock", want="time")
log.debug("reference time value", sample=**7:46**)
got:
**2:00**
